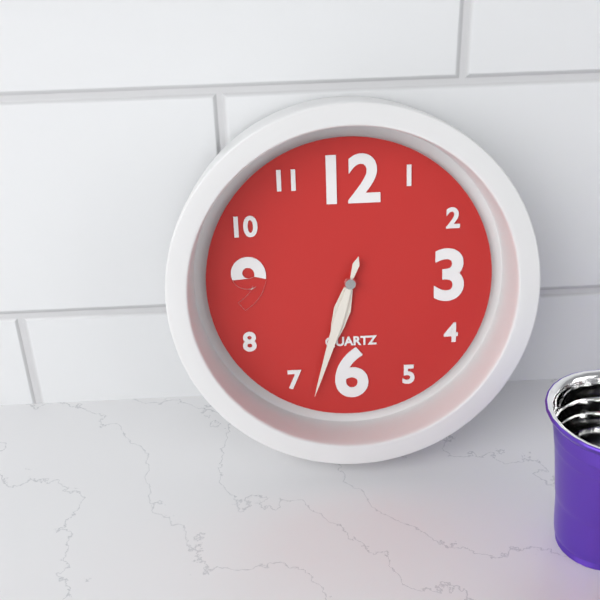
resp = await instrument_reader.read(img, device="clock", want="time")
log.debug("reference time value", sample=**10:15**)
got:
**6:33**
